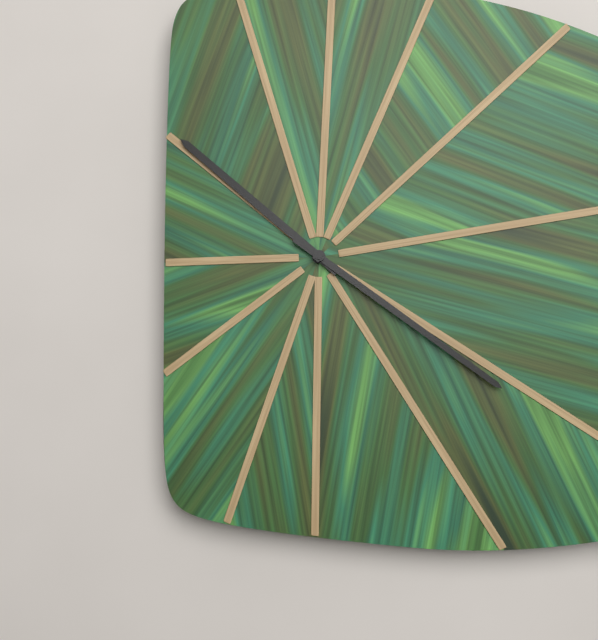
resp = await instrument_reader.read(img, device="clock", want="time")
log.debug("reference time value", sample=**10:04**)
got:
**10:21**
